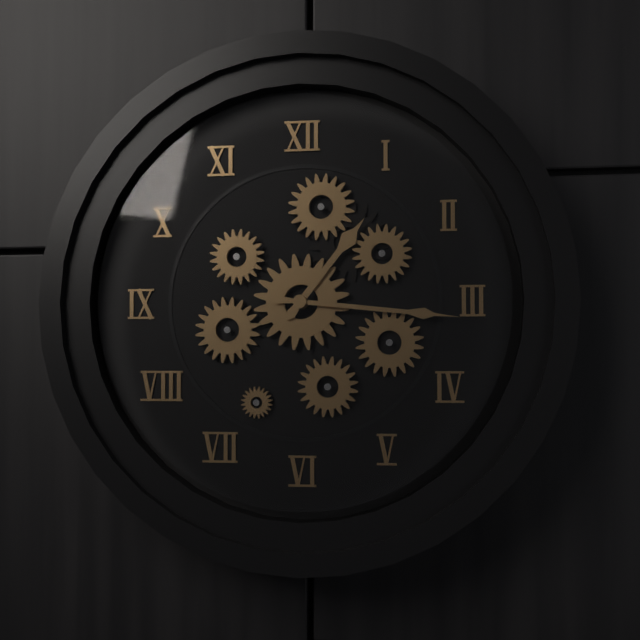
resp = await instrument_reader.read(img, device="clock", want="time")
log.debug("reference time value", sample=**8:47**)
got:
**1:16**
